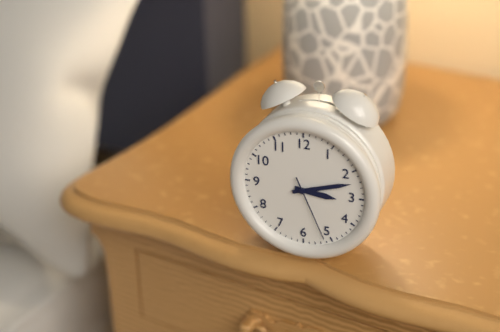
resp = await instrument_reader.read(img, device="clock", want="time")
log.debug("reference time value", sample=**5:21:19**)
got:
**3:12:26**
